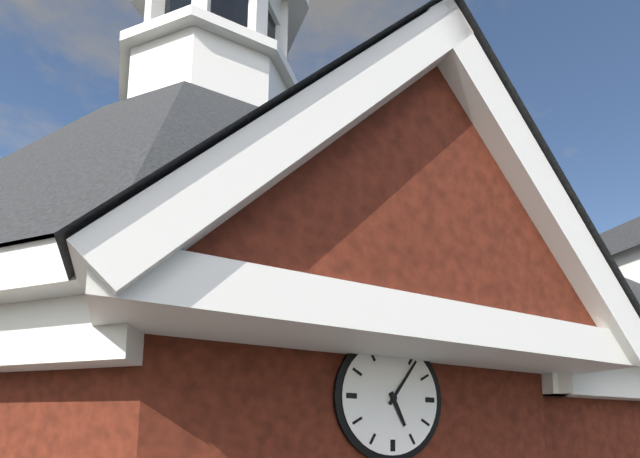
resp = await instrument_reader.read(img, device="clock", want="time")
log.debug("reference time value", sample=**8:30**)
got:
**5:06**
